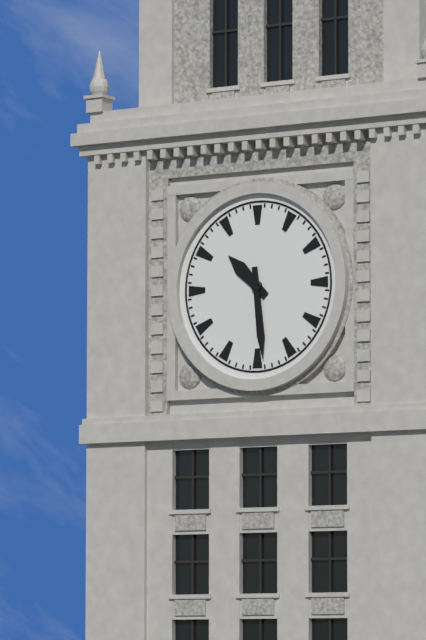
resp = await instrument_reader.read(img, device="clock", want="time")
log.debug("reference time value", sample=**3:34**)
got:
**10:29**
